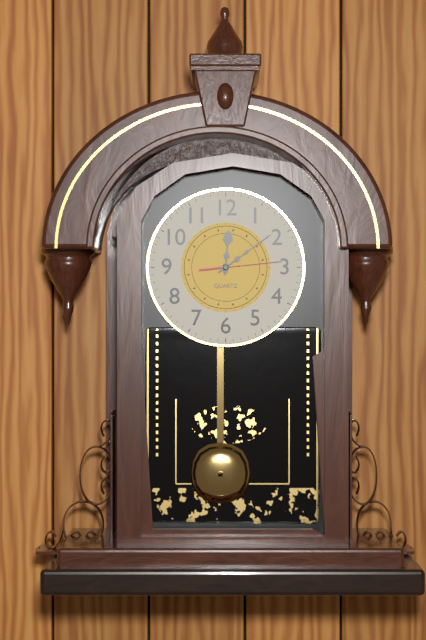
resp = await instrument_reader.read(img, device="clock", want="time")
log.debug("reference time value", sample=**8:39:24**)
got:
**12:09:14**
